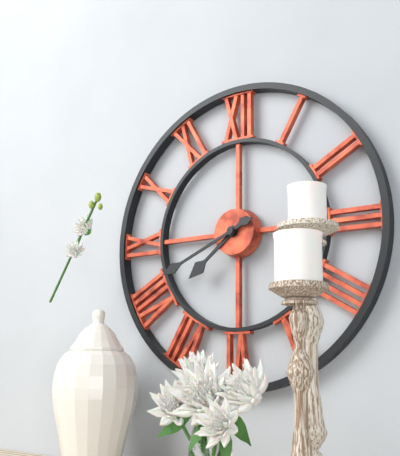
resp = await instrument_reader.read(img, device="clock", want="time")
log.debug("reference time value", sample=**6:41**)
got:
**7:41**
